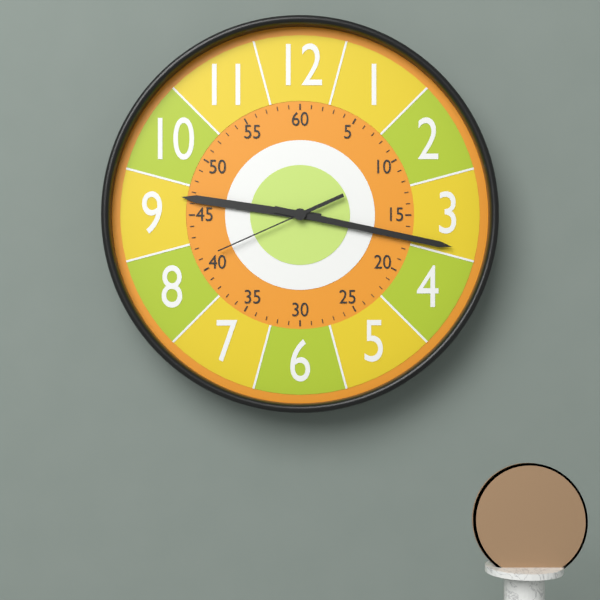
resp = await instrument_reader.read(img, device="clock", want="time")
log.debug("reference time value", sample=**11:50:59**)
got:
**9:17:41**
